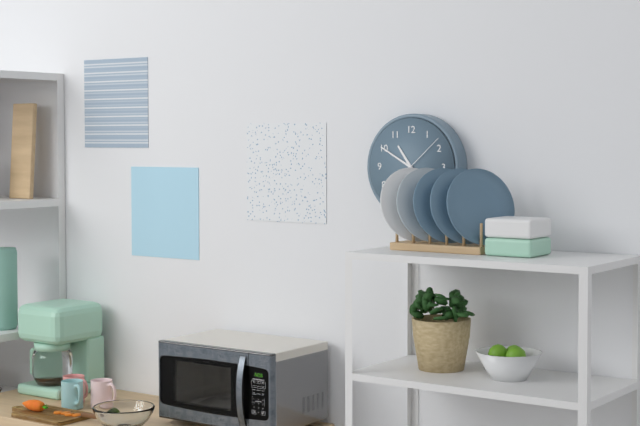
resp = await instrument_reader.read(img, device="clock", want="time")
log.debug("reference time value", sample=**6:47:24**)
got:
**10:50:08**
